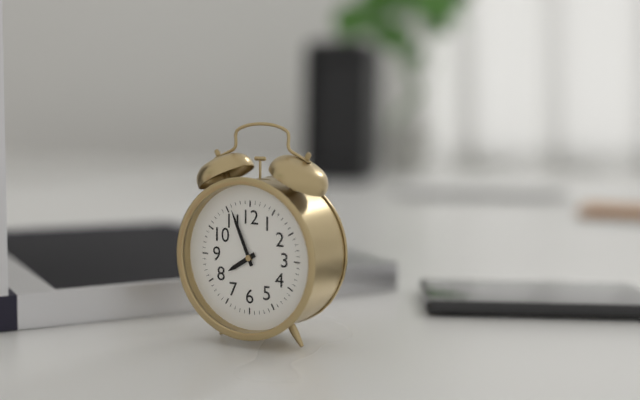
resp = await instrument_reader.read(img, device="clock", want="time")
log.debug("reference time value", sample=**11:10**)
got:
**7:56**
